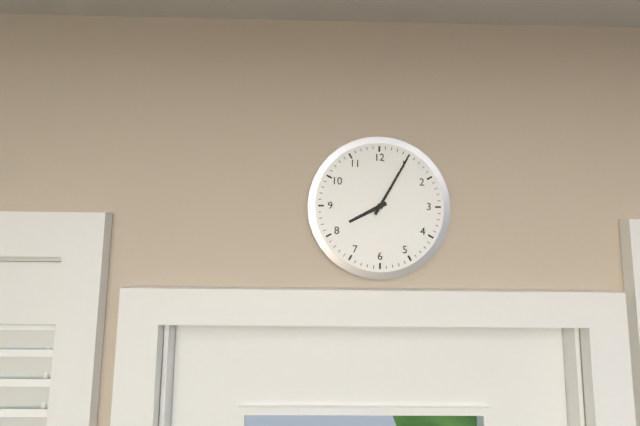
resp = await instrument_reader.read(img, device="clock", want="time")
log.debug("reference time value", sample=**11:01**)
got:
**8:05**
